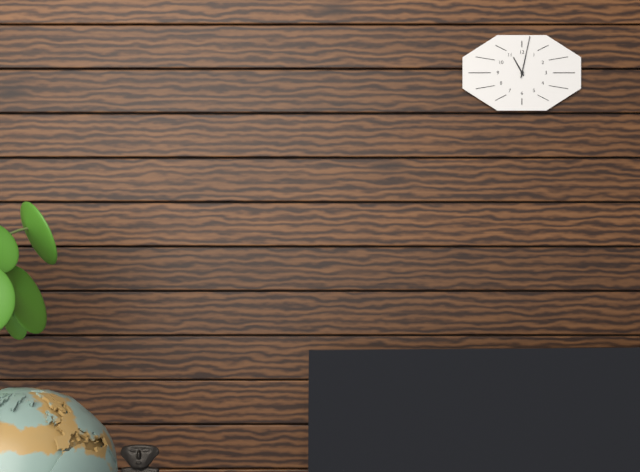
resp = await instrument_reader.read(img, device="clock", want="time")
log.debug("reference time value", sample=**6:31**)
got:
**11:02**
